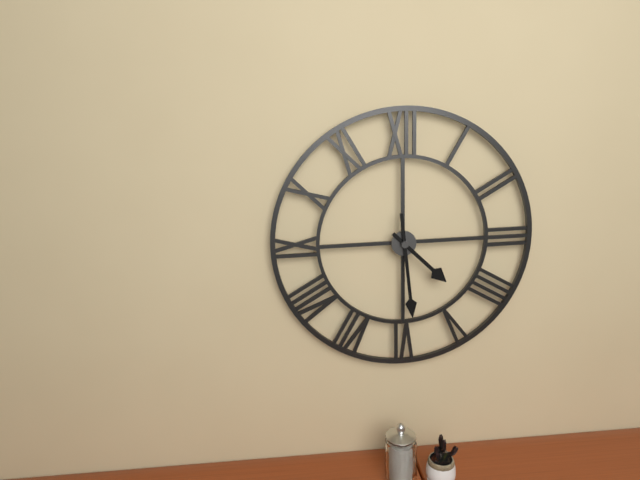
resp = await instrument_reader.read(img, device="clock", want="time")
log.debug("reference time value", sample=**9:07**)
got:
**4:29**
